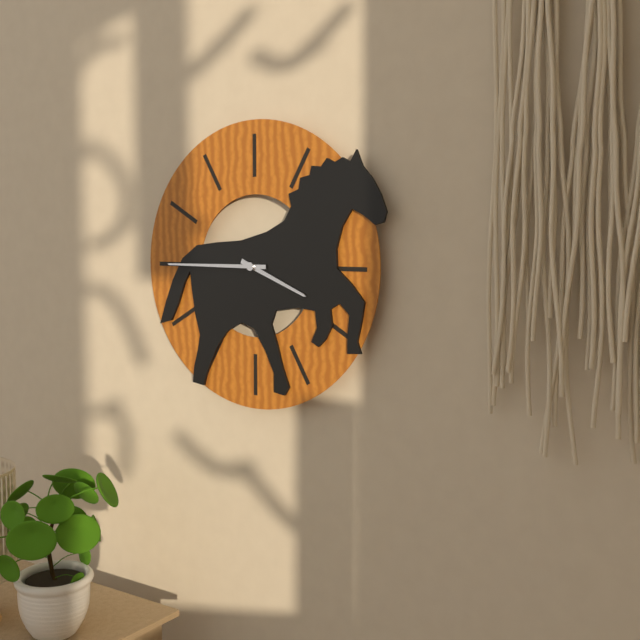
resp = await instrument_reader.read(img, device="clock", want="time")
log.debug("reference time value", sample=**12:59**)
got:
**3:45**
